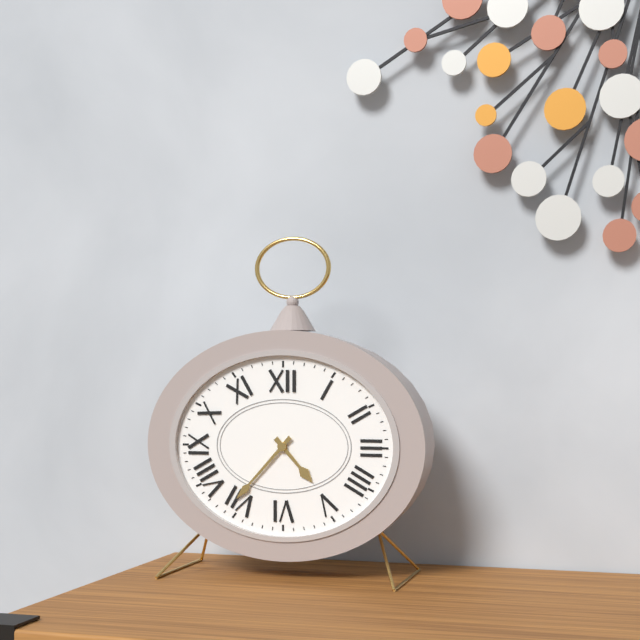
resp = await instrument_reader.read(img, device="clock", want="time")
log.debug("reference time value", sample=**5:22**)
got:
**4:37**
